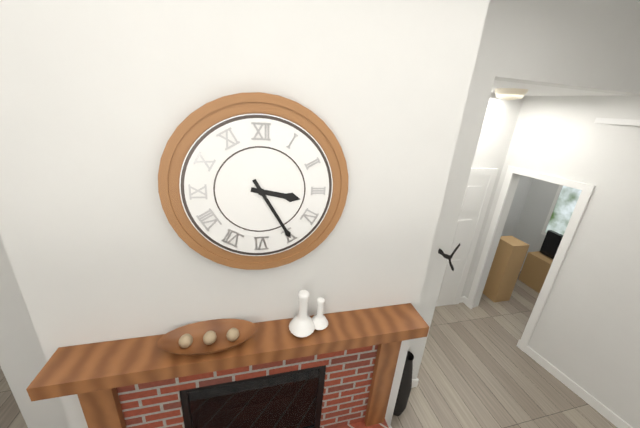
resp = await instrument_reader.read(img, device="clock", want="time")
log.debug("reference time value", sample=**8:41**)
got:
**3:25**
